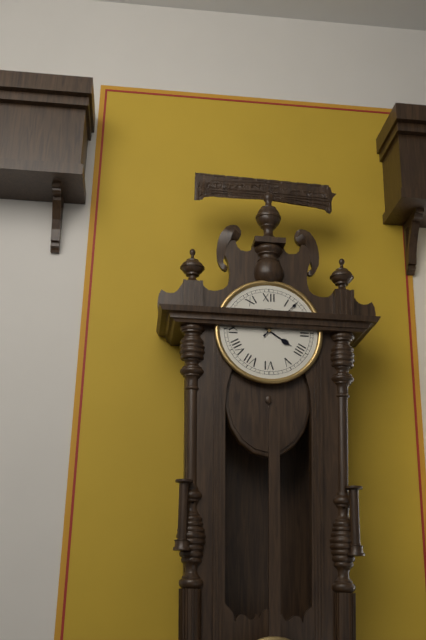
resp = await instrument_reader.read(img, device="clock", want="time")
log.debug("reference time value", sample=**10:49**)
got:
**4:07**
